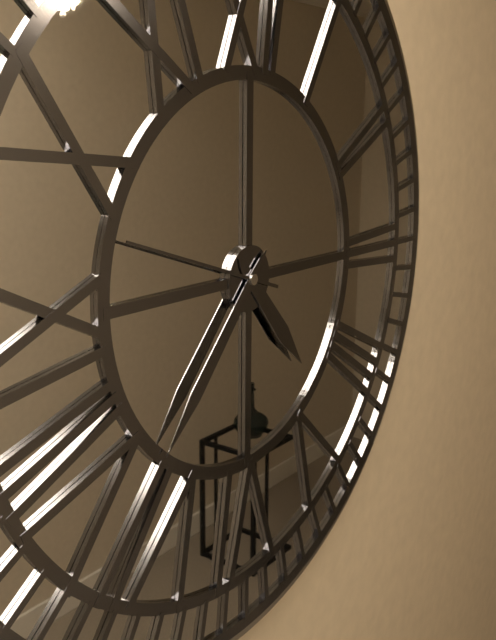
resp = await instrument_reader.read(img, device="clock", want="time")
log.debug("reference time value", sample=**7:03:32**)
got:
**4:37:48**
